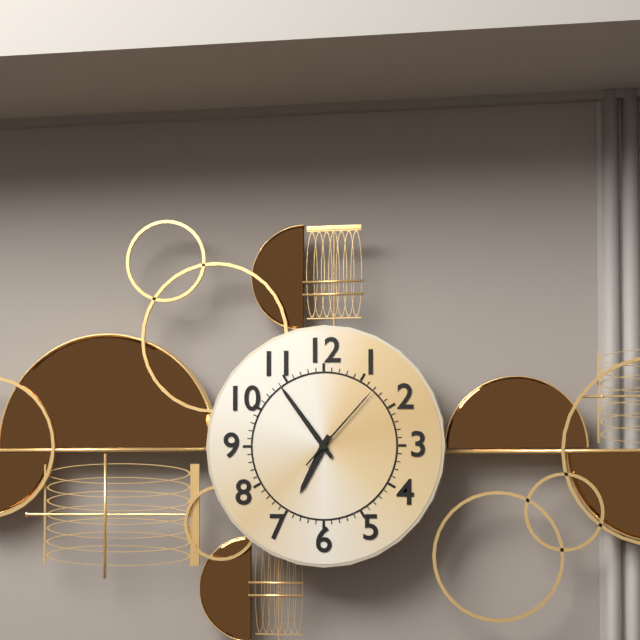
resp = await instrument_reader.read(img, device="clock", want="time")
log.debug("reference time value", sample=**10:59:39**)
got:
**6:54:07**
